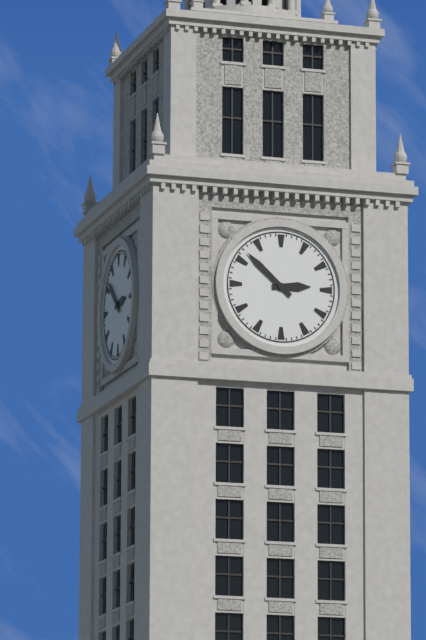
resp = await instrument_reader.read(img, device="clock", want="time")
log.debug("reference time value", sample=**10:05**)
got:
**2:52**
